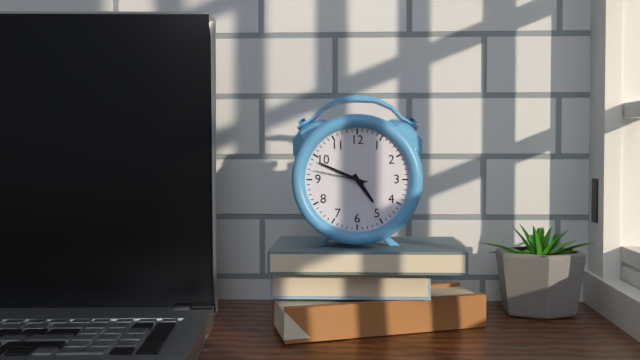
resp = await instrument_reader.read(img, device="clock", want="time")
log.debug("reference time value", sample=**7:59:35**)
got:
**4:49:47**
